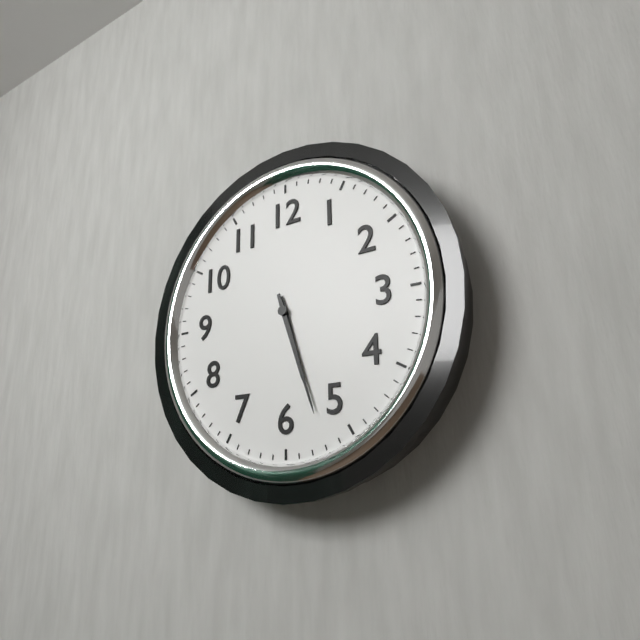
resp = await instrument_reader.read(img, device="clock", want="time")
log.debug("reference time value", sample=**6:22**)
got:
**5:27**
